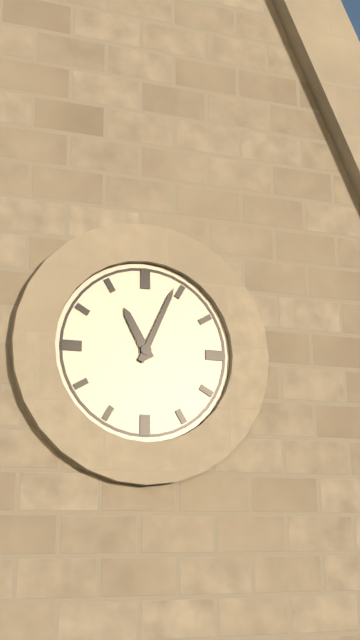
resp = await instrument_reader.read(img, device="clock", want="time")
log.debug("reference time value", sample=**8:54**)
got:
**11:04**
